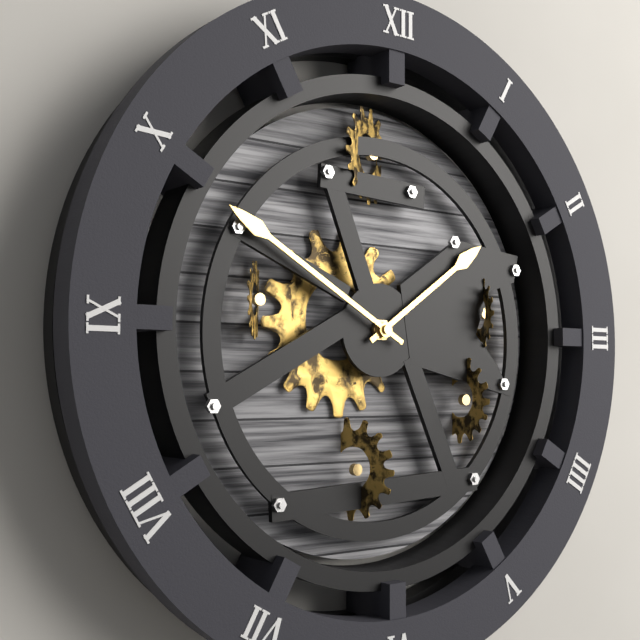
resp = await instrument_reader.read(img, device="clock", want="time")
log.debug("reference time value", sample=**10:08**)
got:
**1:50**
